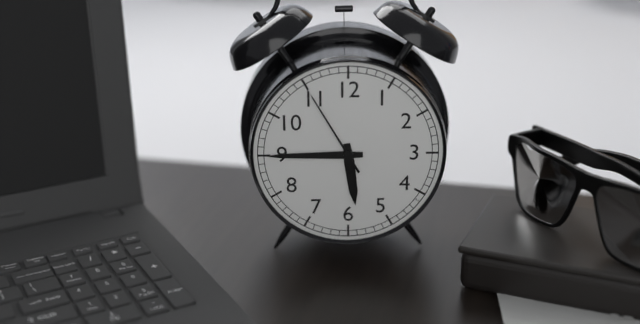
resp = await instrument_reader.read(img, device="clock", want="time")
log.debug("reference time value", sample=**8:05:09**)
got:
**5:45:55**
